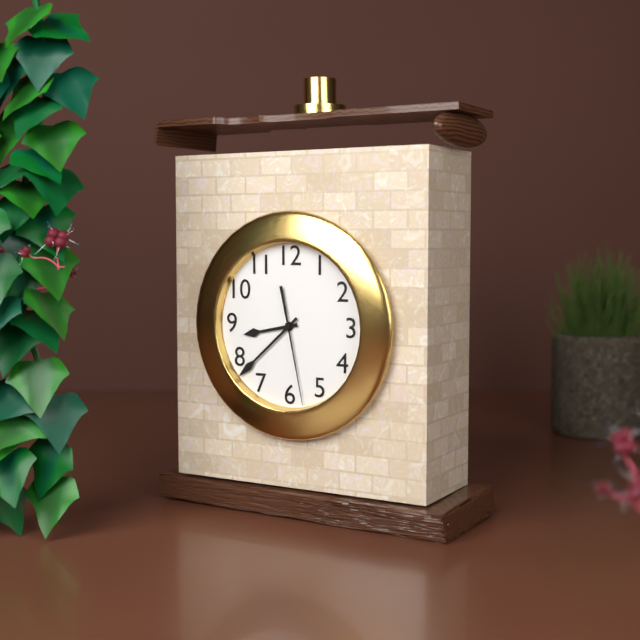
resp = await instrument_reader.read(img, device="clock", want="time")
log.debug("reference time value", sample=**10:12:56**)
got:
**8:38:28**
